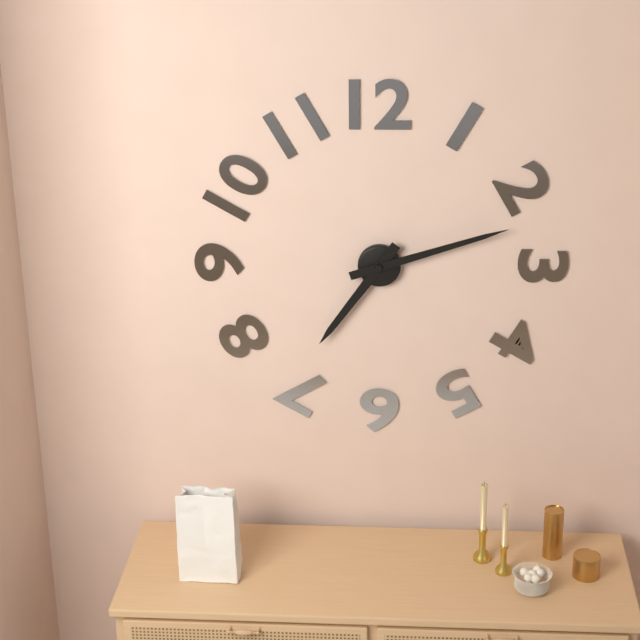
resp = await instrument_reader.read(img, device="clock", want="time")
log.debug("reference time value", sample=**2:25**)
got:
**7:12**
